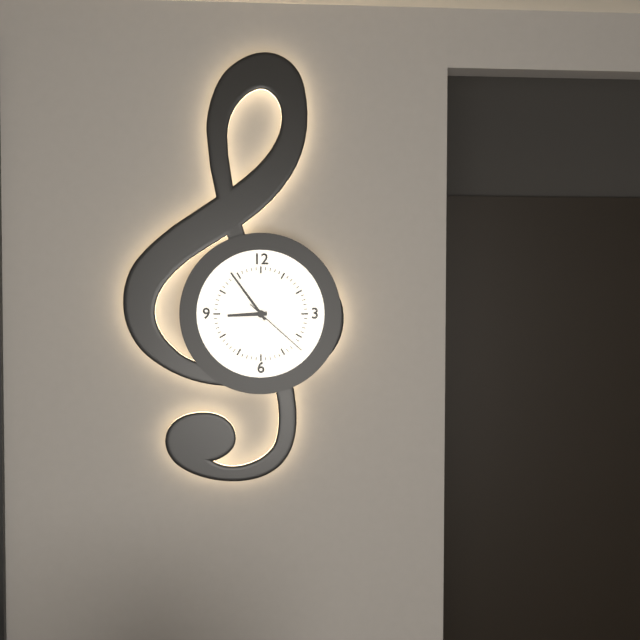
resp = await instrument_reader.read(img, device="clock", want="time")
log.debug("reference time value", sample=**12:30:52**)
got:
**8:54:22**
